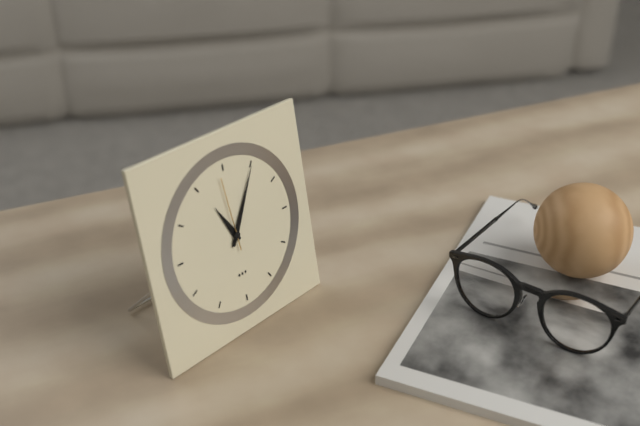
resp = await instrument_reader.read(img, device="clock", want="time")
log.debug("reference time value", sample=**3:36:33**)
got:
**11:05:59**
